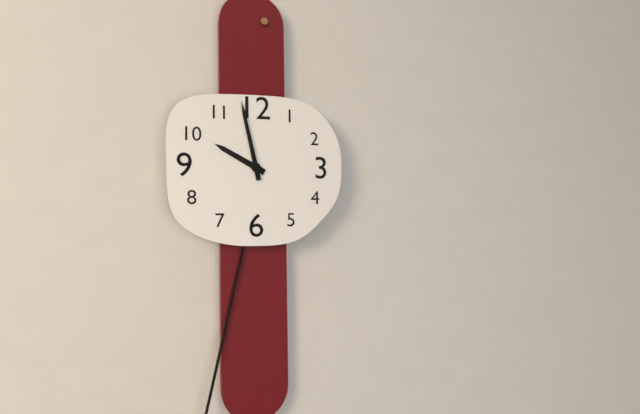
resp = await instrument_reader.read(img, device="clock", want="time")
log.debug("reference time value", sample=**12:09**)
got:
**9:58**
